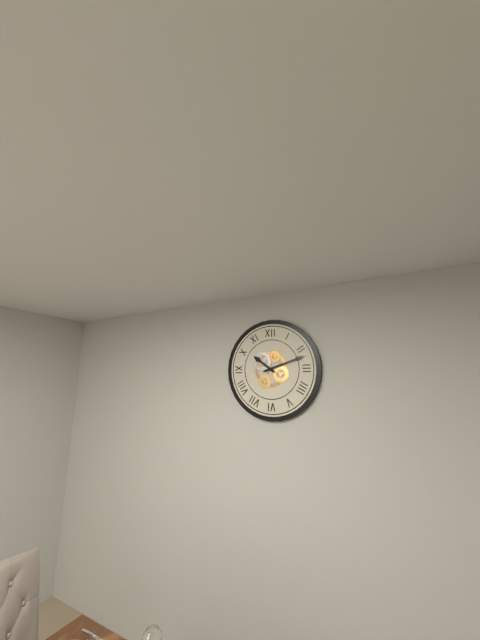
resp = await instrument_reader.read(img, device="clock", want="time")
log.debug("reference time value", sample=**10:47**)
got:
**10:12**
